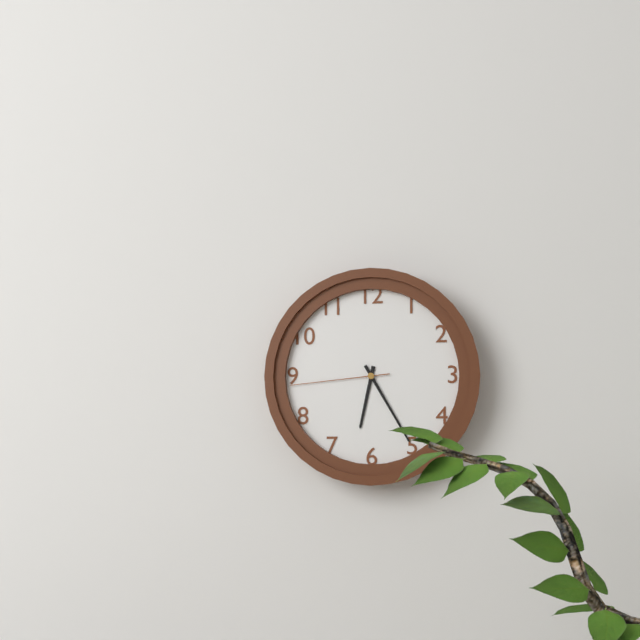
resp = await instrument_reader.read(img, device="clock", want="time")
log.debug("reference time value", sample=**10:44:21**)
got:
**6:25:44**
